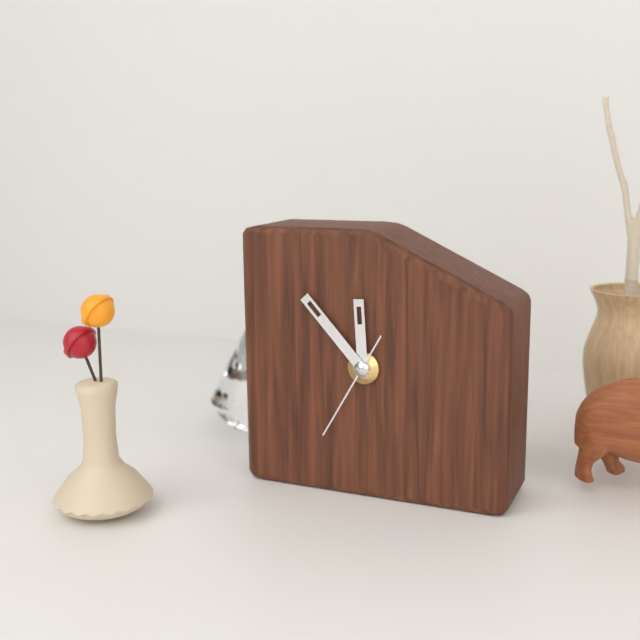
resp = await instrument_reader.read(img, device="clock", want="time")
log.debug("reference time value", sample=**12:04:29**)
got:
**11:53:35**
